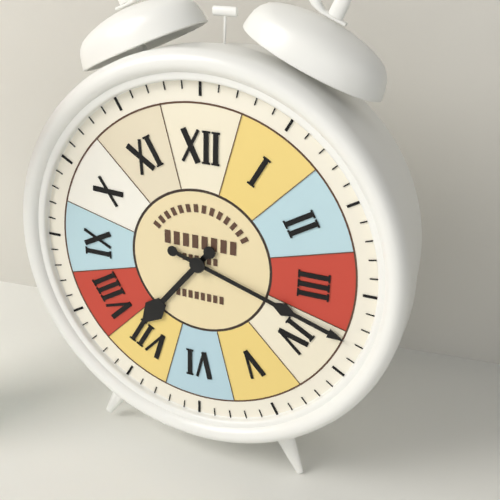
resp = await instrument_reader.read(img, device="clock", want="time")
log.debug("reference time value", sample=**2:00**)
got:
**7:18**
